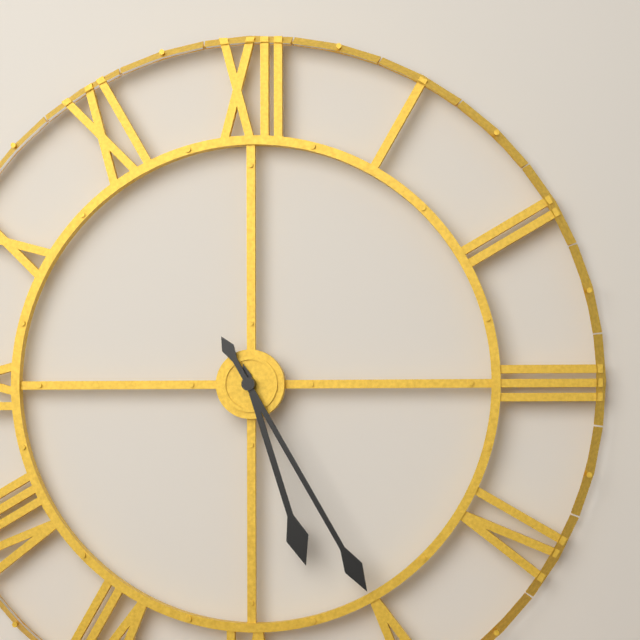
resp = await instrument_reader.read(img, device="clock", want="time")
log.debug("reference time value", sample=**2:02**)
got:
**5:25**
